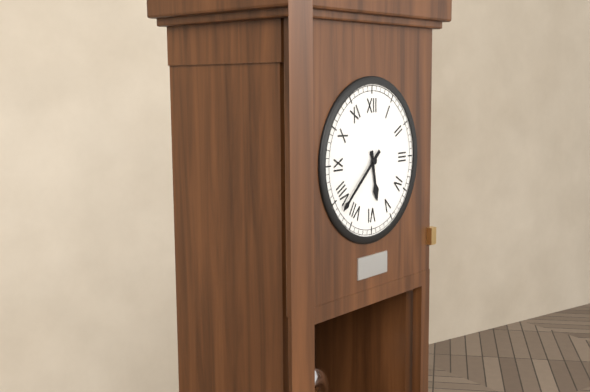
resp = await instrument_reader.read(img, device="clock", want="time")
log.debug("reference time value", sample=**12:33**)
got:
**5:38**
